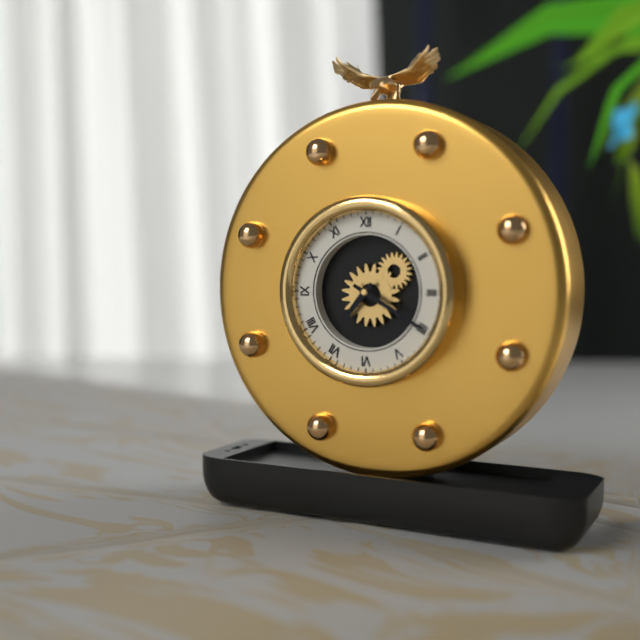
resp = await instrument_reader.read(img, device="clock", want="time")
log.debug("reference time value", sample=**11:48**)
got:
**7:20**
